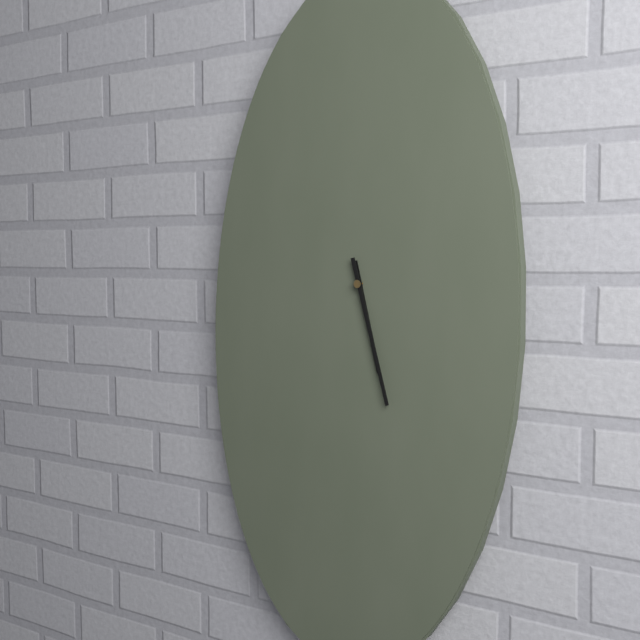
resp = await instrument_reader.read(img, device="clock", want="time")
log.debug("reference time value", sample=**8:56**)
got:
**5:27**
